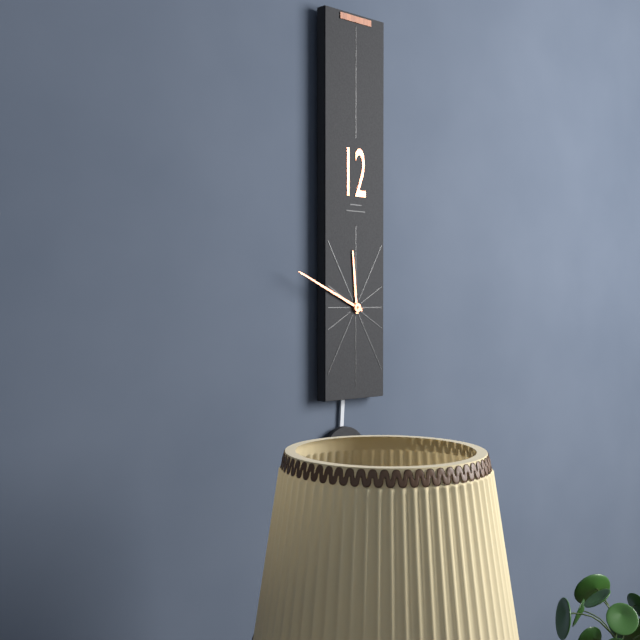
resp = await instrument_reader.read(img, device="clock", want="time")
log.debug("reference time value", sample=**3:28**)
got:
**11:49**
